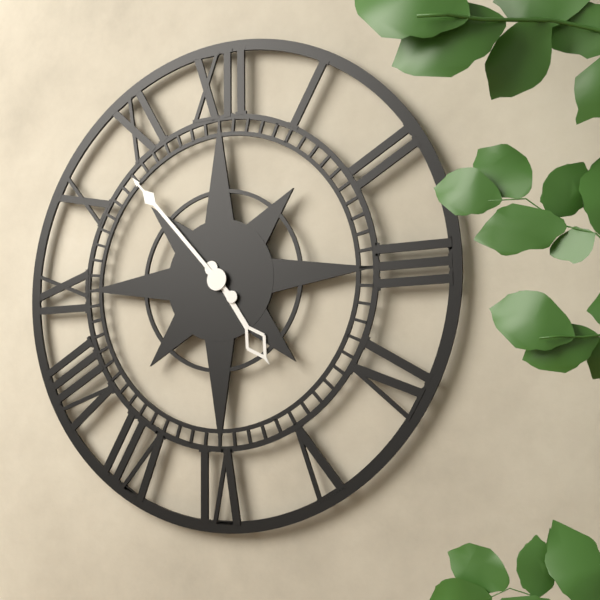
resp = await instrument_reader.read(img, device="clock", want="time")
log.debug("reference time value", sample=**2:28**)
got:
**4:53**
